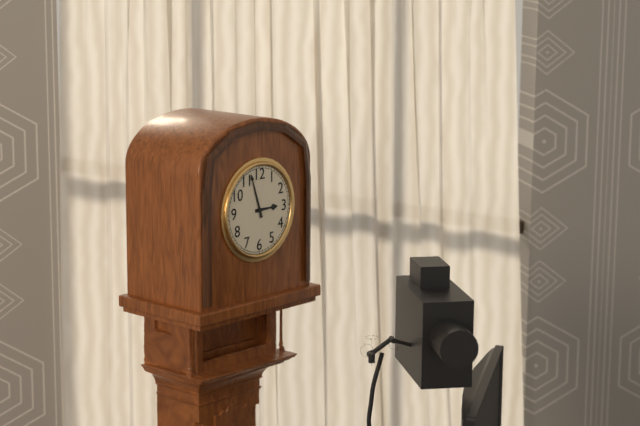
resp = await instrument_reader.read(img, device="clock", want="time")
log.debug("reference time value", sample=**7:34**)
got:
**2:57**
